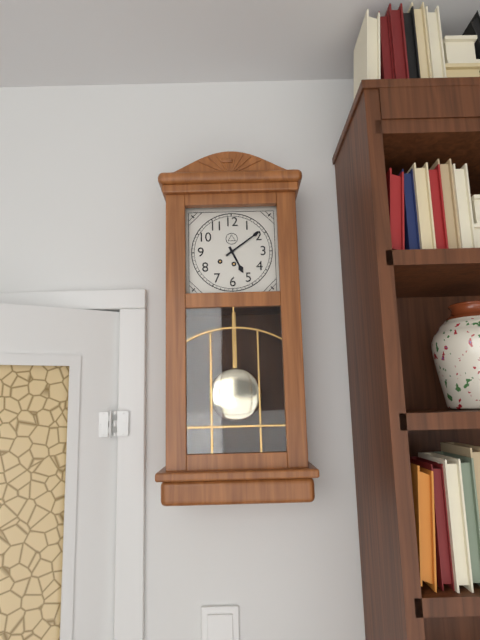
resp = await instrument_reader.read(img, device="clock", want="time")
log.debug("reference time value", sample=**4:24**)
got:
**5:09**
